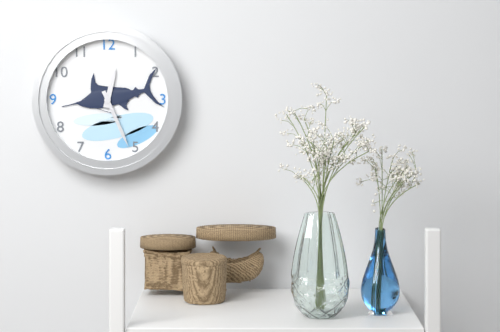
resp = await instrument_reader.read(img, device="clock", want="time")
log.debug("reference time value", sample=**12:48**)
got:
**12:26**
